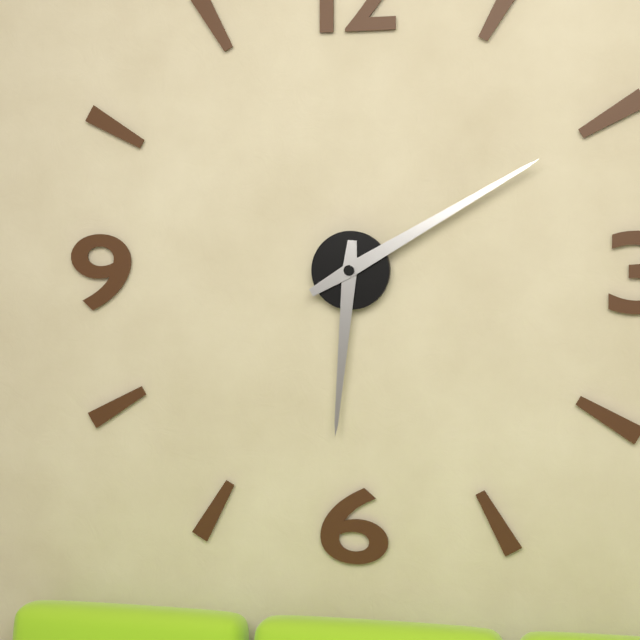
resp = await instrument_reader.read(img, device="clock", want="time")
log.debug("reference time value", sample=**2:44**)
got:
**6:10**
